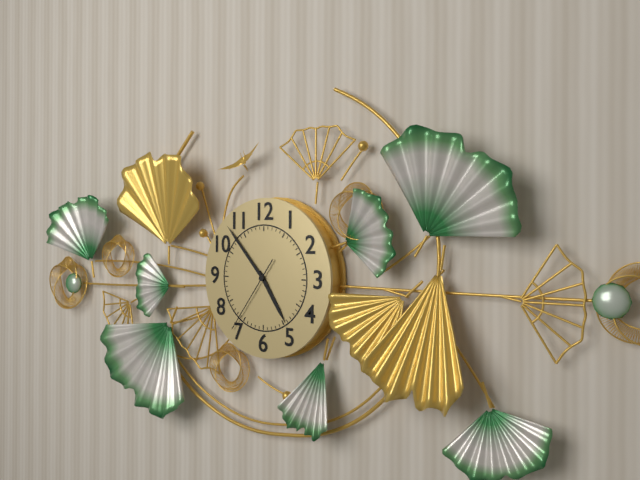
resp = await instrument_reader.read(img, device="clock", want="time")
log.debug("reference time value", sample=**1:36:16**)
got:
**4:53:36**
